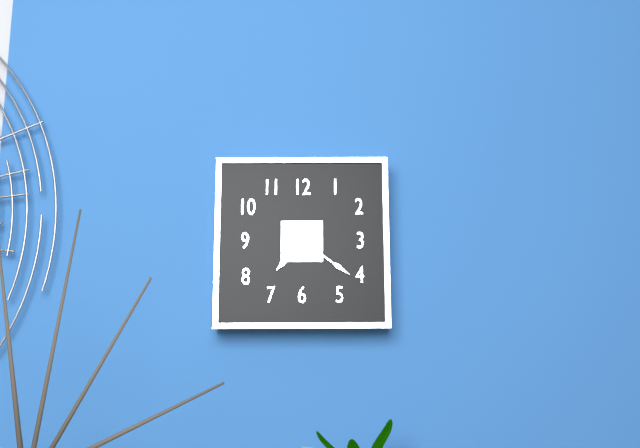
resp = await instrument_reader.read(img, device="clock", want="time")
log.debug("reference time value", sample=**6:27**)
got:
**7:21**
